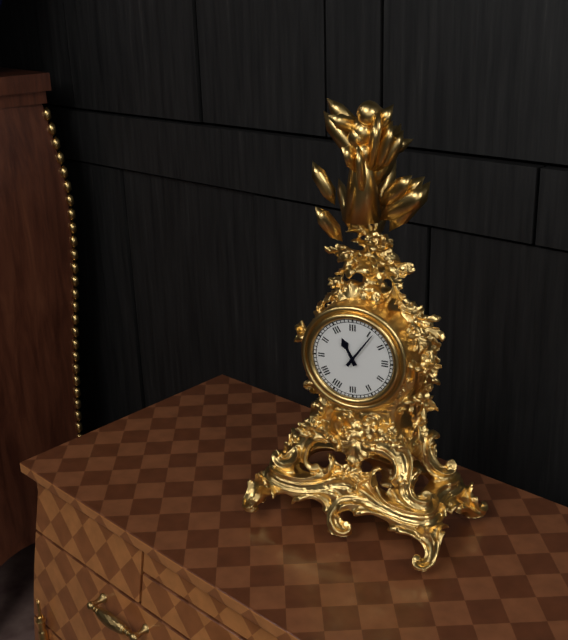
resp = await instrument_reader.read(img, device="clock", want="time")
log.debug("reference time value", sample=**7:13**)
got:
**11:06**
